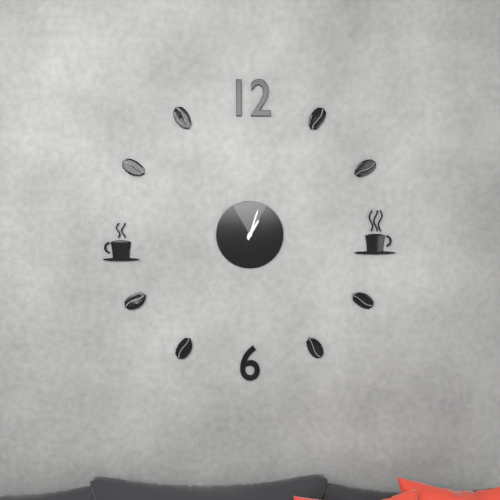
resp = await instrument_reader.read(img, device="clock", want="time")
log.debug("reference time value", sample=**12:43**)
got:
**1:03**
